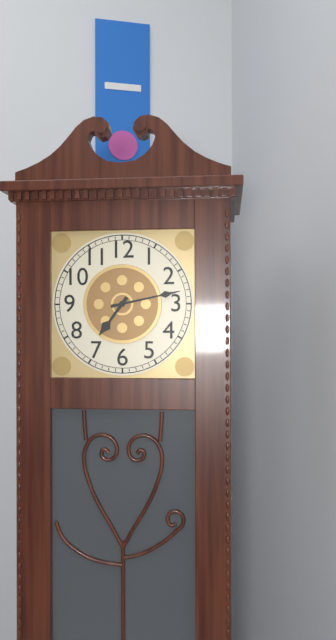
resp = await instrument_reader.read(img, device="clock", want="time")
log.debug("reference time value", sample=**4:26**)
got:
**7:13**
